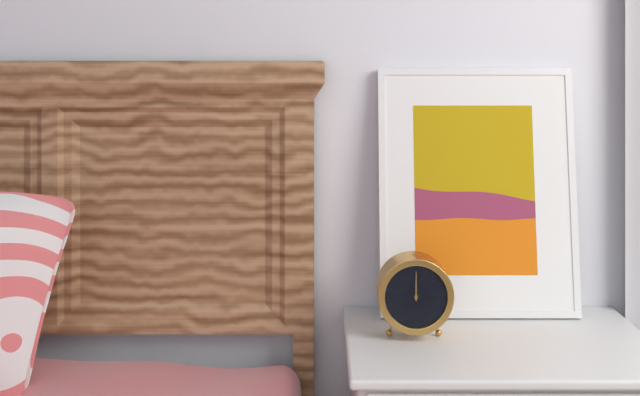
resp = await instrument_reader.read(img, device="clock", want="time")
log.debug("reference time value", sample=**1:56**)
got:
**12:00**
